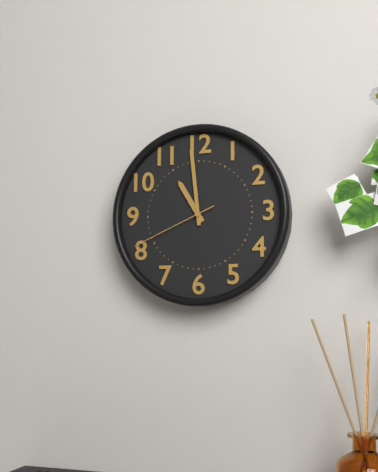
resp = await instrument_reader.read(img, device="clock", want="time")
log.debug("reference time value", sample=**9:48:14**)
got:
**10:59:41**
